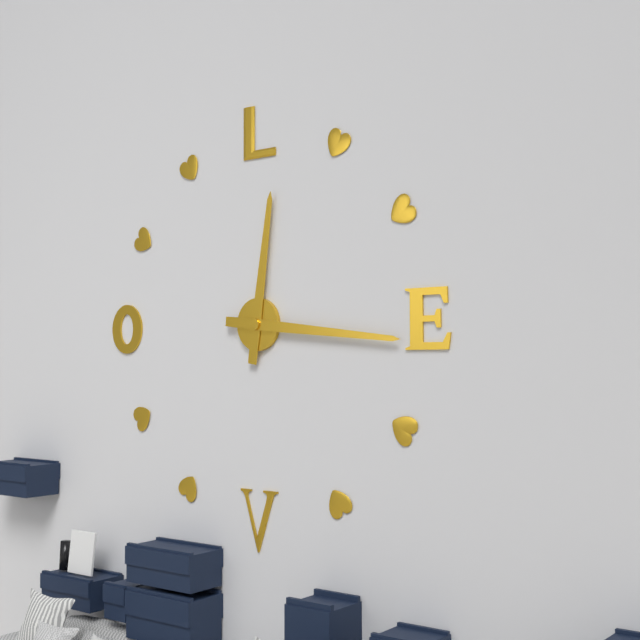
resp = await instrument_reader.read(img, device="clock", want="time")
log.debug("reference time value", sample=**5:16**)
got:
**12:16**
